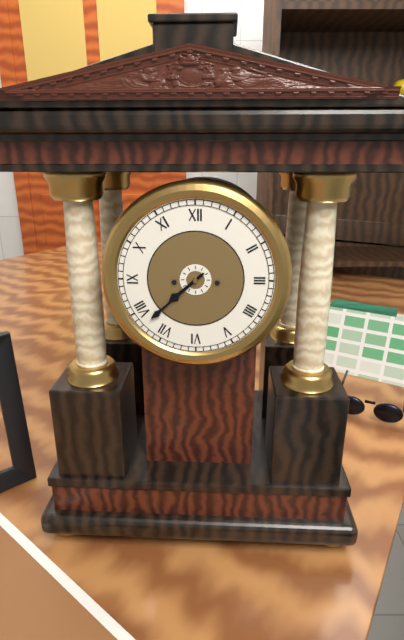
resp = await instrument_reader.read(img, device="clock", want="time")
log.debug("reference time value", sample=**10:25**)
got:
**7:38**
